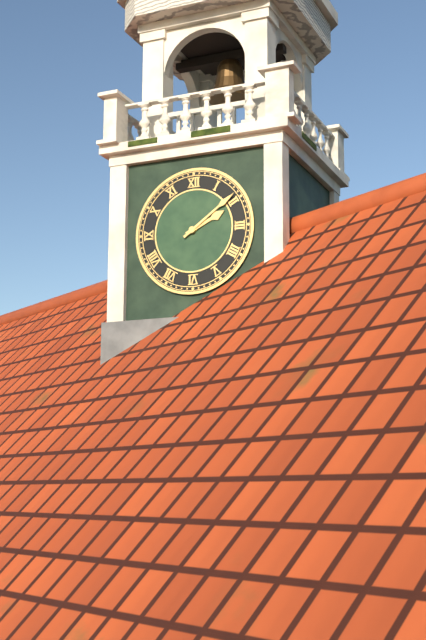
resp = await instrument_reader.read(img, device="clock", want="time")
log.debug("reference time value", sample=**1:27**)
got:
**2:09**
